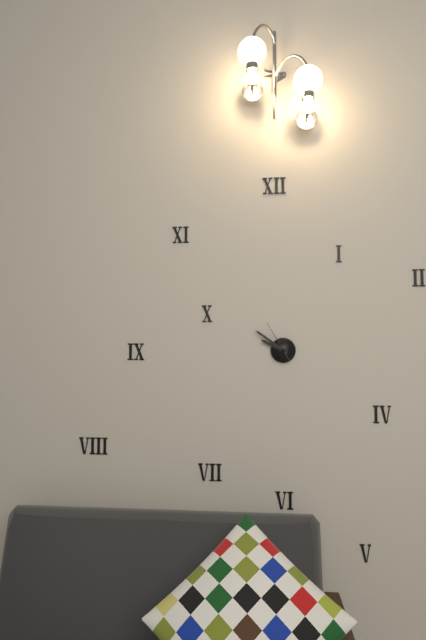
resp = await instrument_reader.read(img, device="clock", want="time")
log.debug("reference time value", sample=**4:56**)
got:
**9:51**
